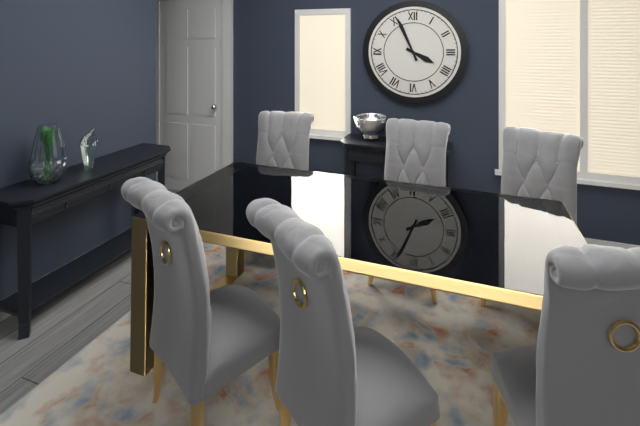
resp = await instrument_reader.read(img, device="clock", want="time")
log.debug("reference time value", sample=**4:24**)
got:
**3:56**
